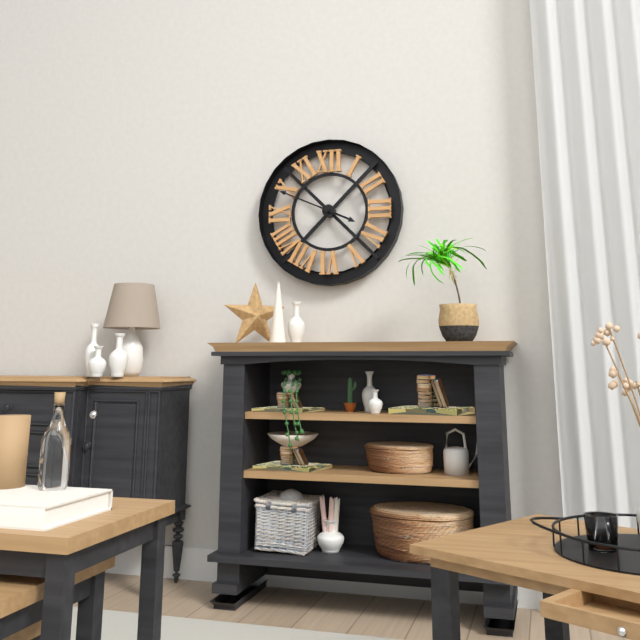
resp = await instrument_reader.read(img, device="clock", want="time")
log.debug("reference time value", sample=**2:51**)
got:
**3:49**
